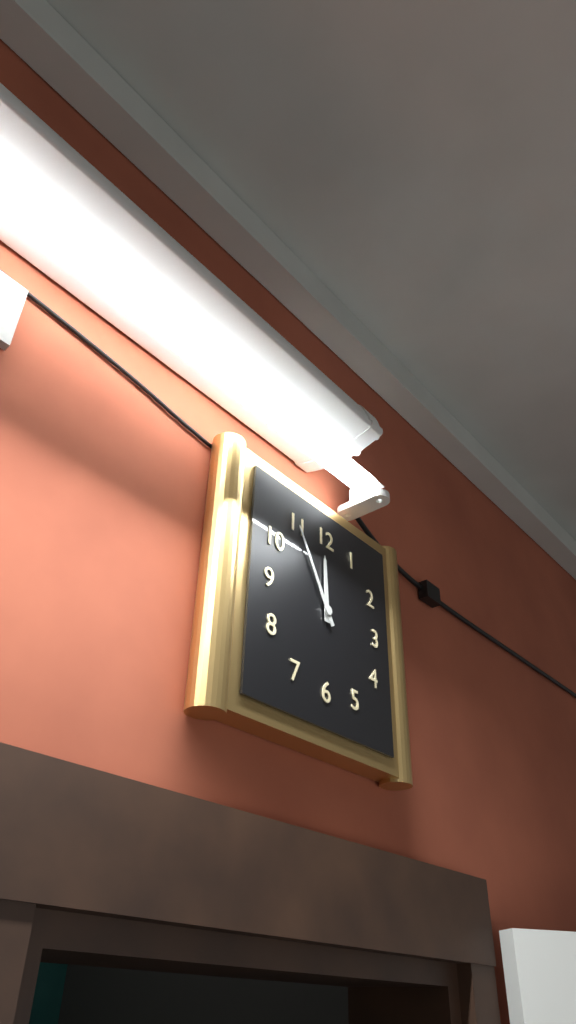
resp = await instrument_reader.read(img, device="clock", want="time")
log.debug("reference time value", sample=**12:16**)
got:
**11:55**
